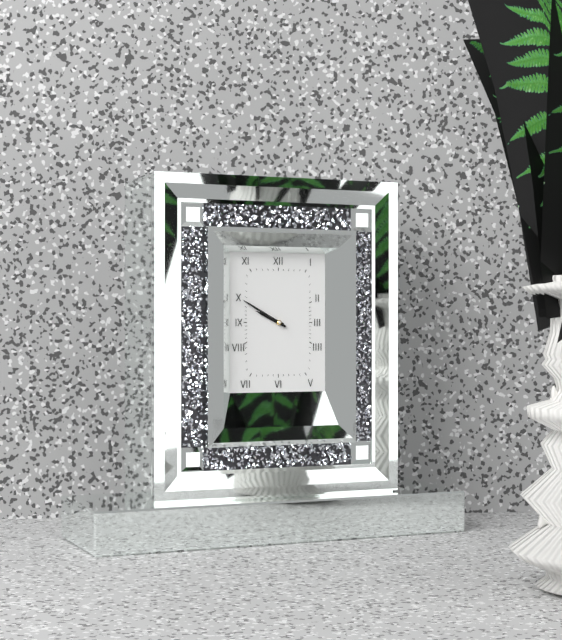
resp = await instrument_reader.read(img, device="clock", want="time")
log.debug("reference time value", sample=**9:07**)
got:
**9:50**
